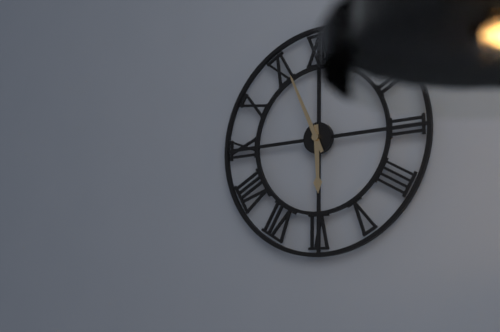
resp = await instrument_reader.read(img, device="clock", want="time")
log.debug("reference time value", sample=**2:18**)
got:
**5:56**
